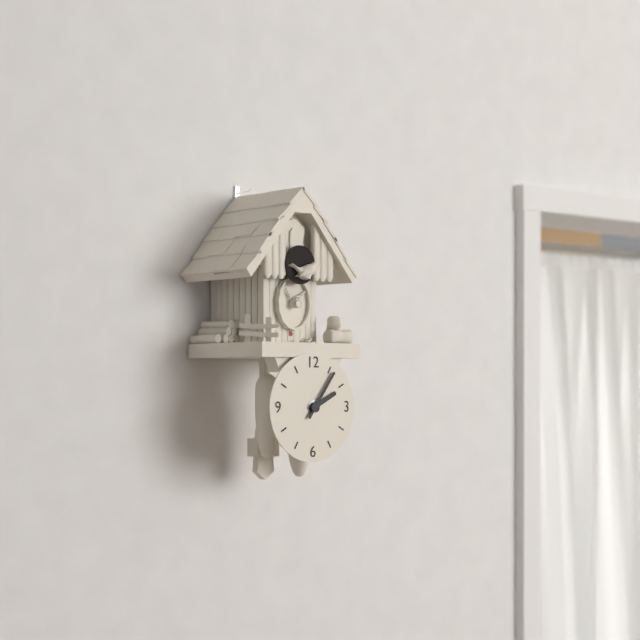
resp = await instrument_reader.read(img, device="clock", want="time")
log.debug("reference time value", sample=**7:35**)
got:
**2:06**
